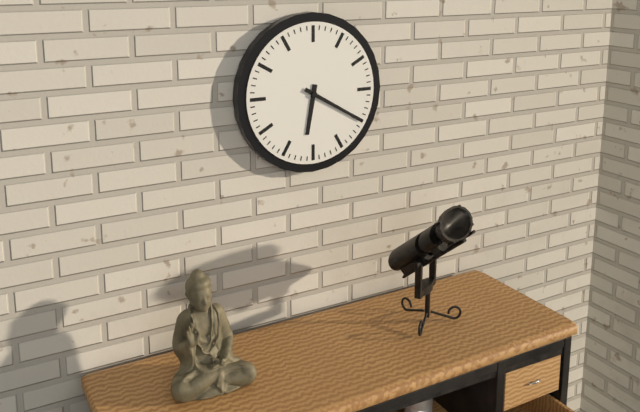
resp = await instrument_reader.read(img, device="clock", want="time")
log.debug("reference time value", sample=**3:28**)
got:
**6:20**
